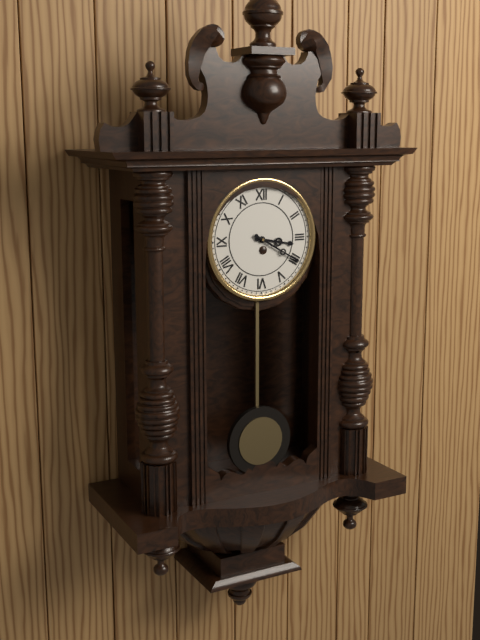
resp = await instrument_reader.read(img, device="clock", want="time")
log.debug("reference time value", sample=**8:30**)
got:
**3:20**
